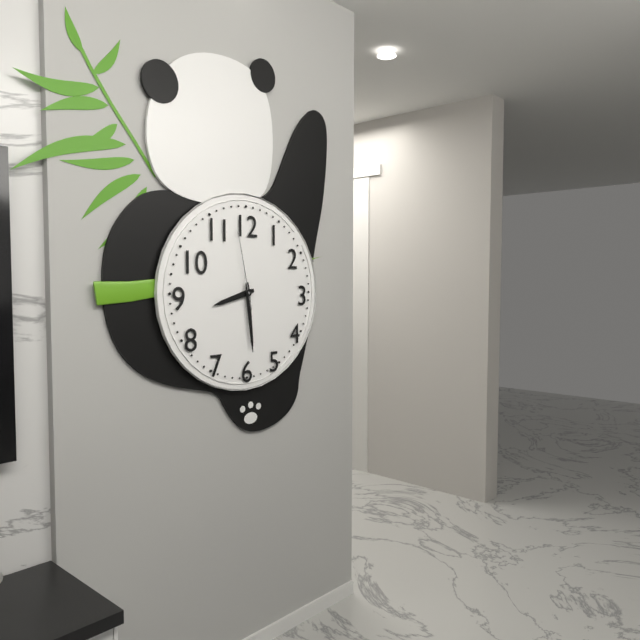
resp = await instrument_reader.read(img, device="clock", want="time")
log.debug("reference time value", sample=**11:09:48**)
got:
**8:29:58**
